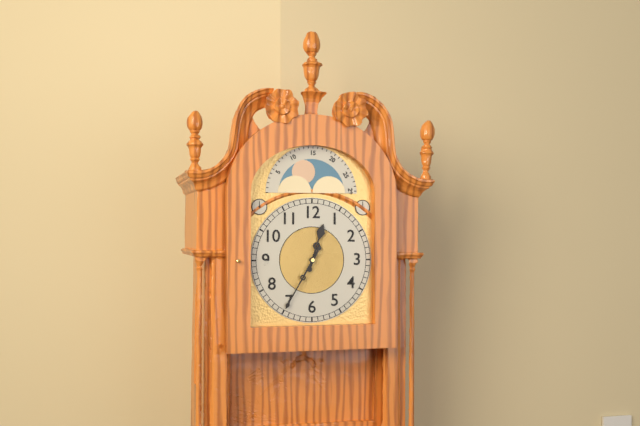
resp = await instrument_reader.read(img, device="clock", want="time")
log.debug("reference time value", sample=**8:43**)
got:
**12:35**
